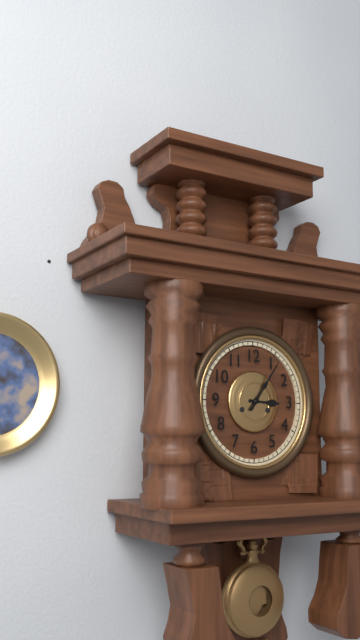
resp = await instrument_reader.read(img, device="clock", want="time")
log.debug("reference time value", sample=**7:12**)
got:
**3:06**
